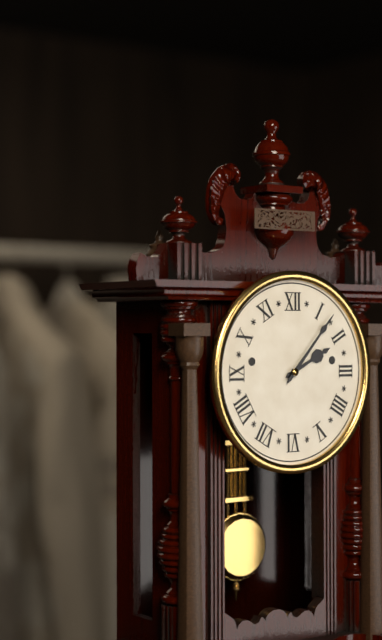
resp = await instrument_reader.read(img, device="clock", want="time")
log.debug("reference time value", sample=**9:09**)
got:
**2:07**
